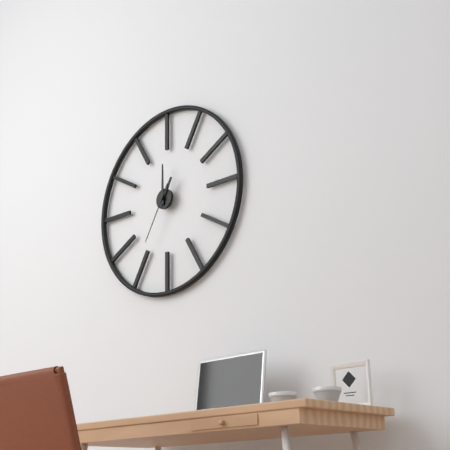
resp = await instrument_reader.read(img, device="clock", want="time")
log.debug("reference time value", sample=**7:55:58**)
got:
**1:00:35**
